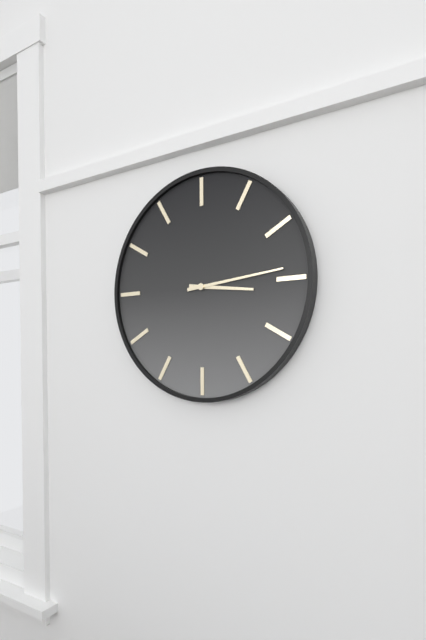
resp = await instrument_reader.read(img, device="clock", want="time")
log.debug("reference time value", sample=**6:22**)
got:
**3:14**
